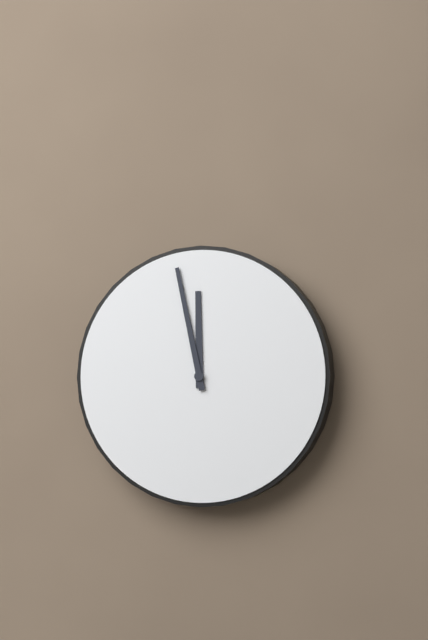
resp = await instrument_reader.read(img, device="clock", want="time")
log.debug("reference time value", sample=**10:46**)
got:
**11:58**
